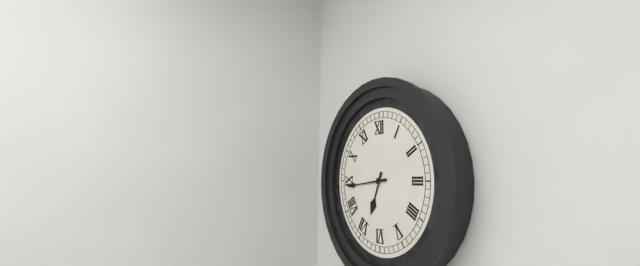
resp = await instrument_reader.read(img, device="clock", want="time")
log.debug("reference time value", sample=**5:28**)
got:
**6:44**
